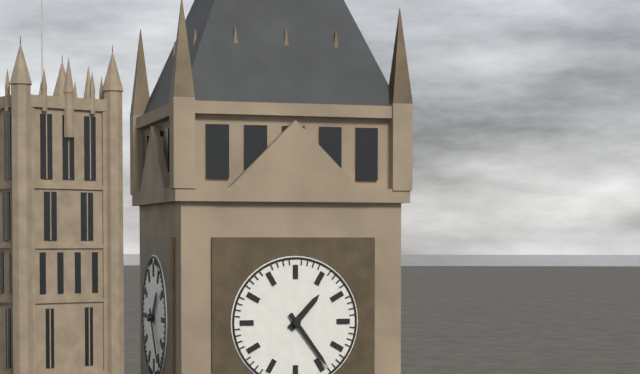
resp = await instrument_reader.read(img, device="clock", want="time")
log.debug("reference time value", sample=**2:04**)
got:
**1:24**
